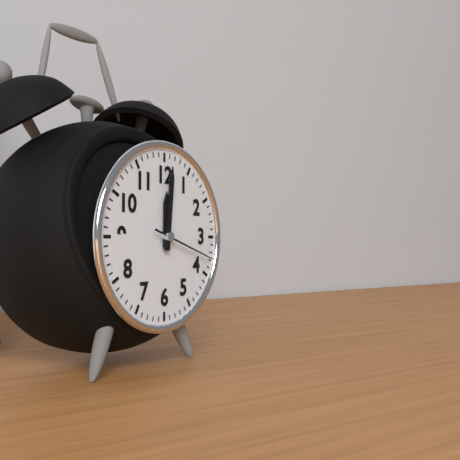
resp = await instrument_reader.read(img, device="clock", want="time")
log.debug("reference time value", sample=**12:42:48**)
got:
**12:01:18**
